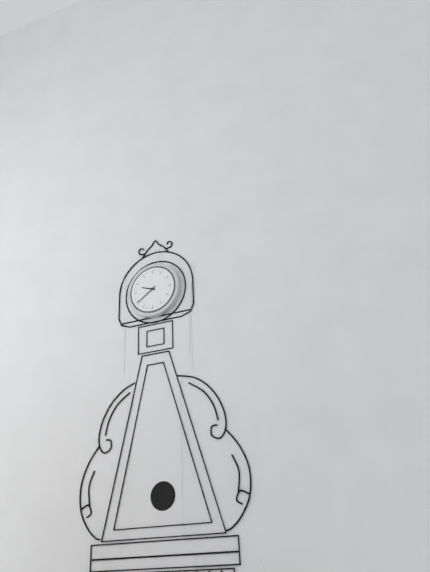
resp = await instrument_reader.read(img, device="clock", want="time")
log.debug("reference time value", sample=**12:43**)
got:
**9:39**
